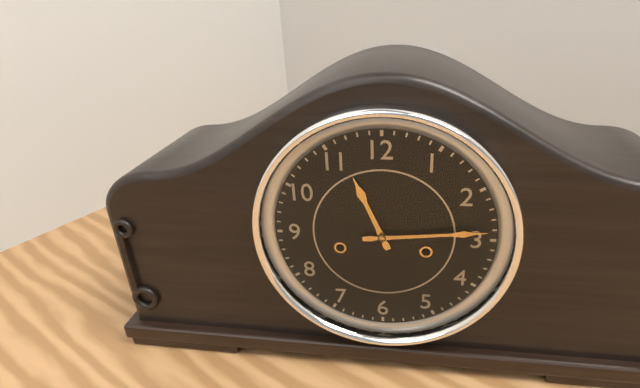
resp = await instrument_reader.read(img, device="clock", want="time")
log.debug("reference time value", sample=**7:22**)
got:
**11:14**
